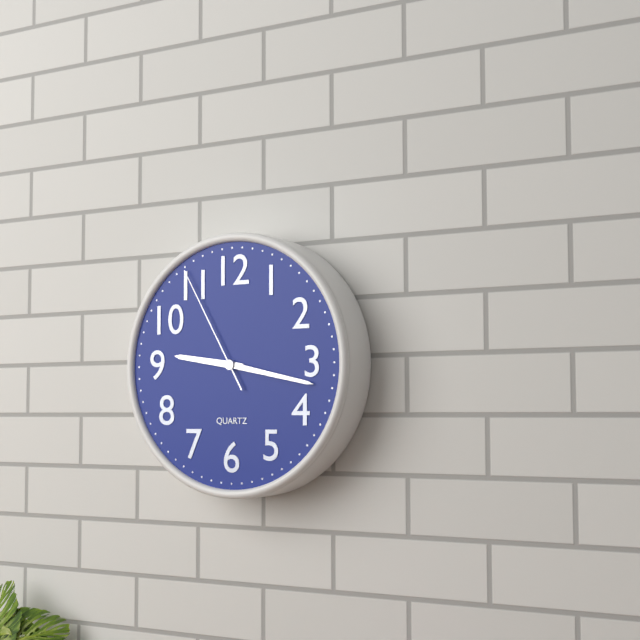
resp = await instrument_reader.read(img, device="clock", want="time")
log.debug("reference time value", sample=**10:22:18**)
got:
**9:17:55**
